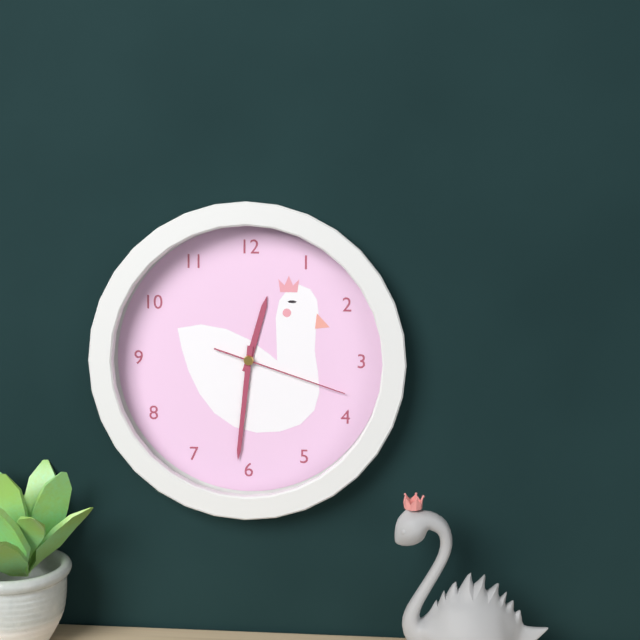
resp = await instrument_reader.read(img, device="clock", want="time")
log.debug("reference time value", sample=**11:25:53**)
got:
**12:31:18**
